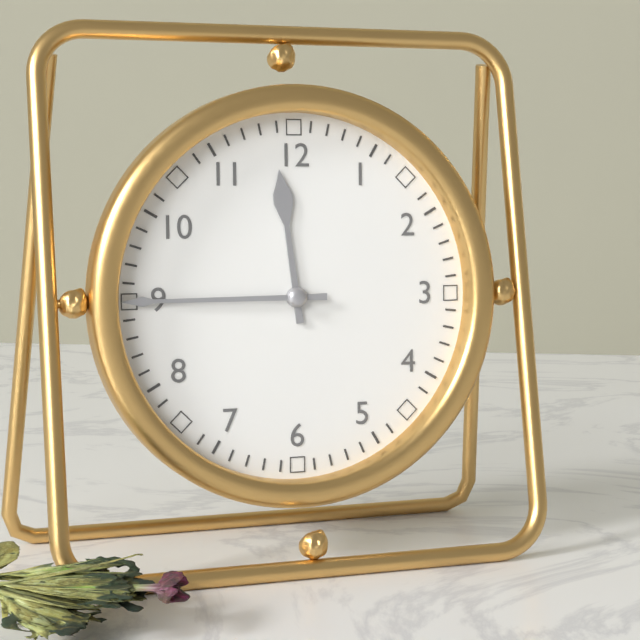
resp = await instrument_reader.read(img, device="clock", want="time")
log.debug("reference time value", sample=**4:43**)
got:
**11:45**
